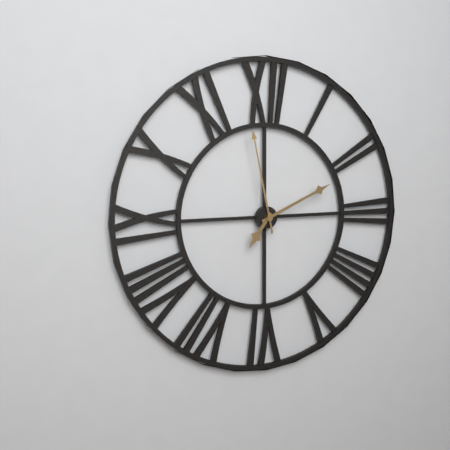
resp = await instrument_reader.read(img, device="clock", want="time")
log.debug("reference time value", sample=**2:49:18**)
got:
**7:11:58**
